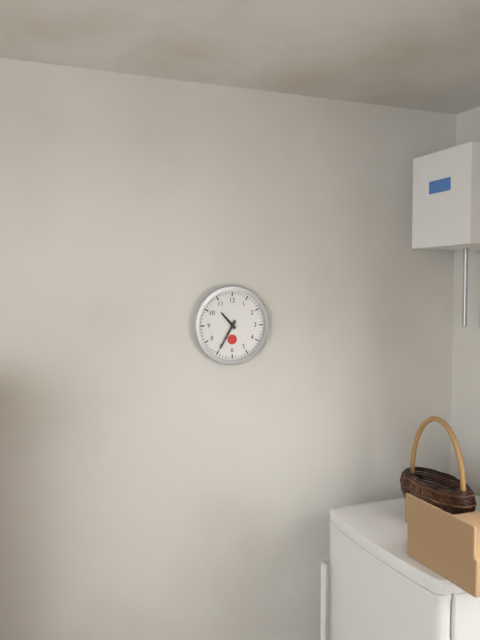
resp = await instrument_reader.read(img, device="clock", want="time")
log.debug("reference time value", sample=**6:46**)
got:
**10:35**
